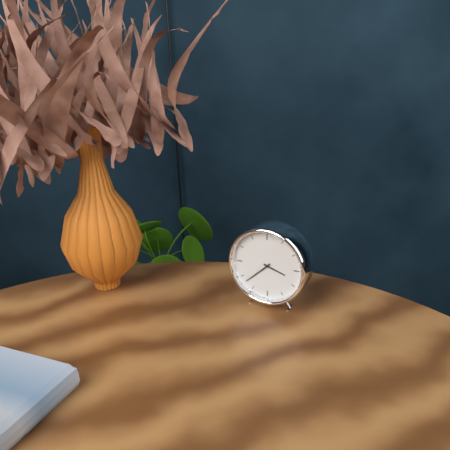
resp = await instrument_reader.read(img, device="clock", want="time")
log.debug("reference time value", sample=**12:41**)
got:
**3:38**
